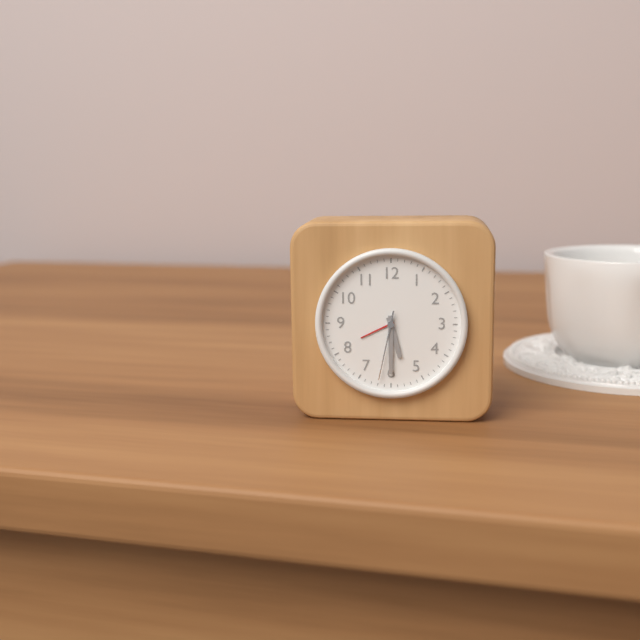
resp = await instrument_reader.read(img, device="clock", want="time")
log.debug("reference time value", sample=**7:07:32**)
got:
**5:30:32**
